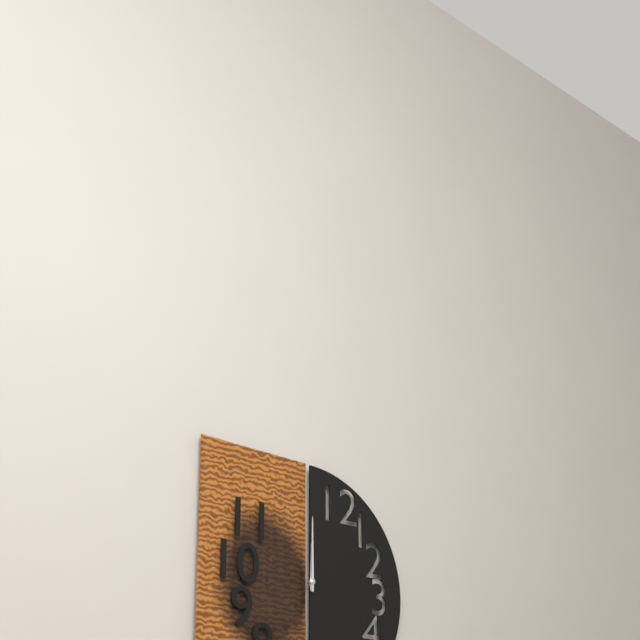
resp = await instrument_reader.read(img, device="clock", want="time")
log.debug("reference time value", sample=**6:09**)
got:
**12:00**
